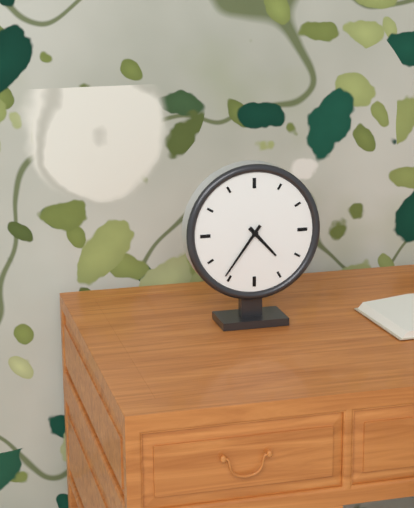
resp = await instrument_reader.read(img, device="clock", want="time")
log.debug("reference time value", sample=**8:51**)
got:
**4:36**
